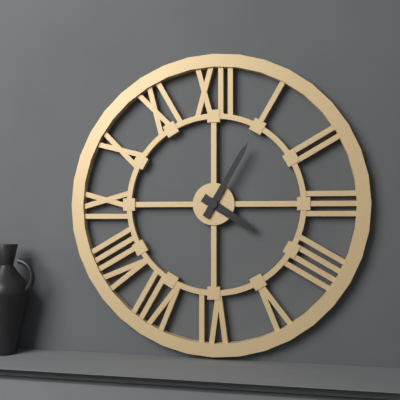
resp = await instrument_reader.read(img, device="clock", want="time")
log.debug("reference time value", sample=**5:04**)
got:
**4:05**
